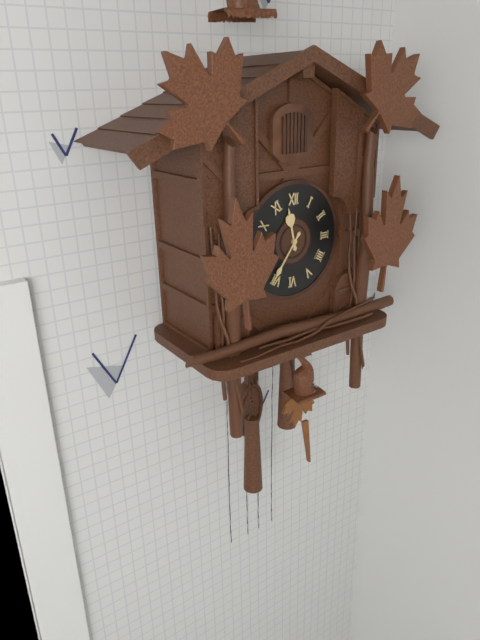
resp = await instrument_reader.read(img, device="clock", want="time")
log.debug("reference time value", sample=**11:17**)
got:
**11:36**
